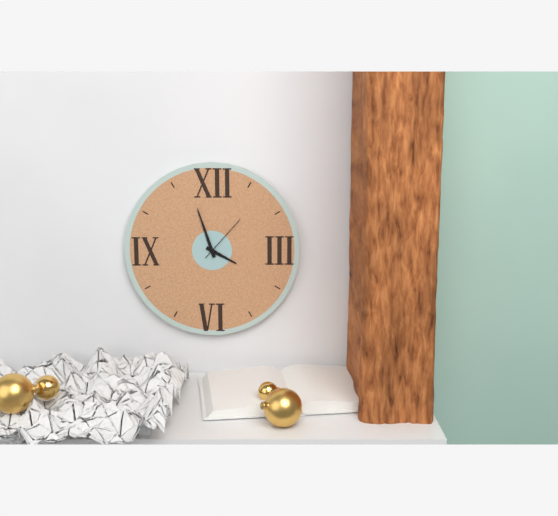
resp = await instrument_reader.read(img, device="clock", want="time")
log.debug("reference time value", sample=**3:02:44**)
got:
**3:57:07**
